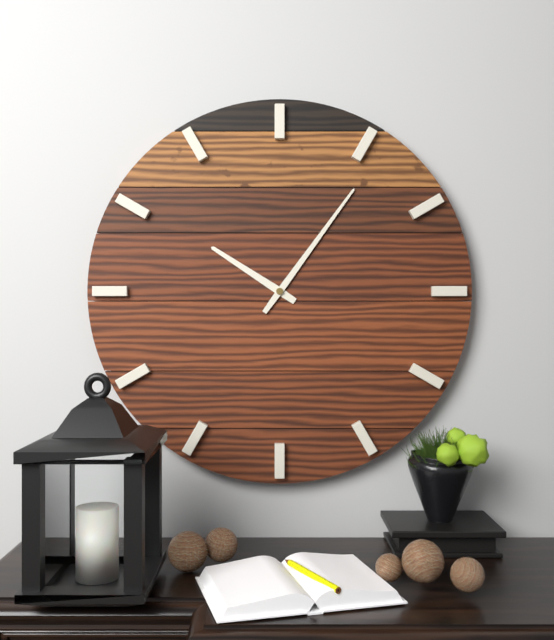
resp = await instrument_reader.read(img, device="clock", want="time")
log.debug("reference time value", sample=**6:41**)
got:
**10:06**
